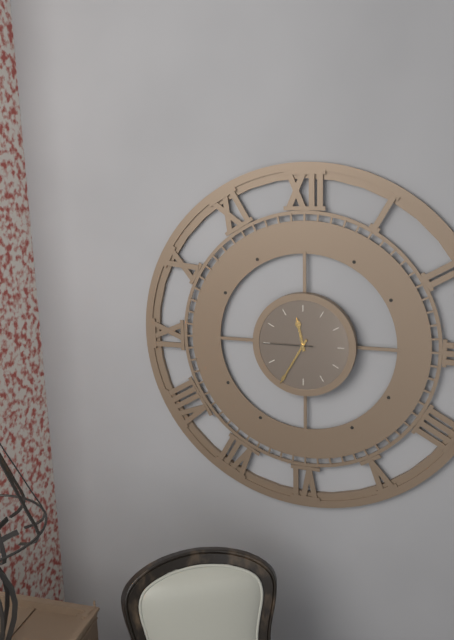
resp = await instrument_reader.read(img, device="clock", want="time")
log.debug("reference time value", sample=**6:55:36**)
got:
**11:35:45**
